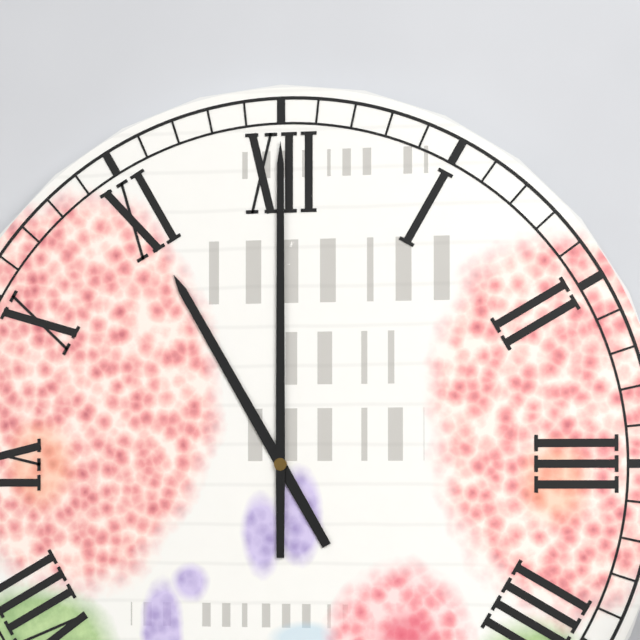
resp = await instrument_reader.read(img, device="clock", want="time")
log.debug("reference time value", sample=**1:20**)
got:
**11:00**
